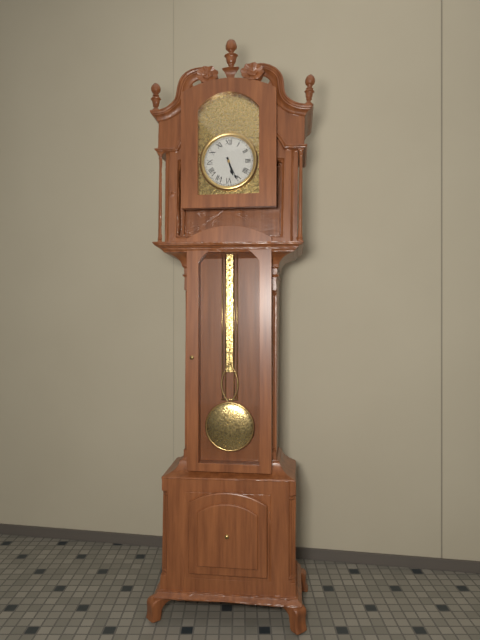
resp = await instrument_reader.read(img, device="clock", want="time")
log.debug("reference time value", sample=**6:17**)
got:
**5:26**
